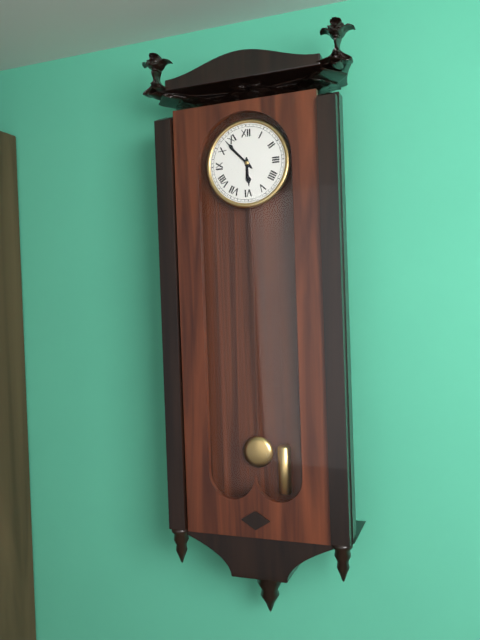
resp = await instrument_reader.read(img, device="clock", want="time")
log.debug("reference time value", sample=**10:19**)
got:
**5:53**
